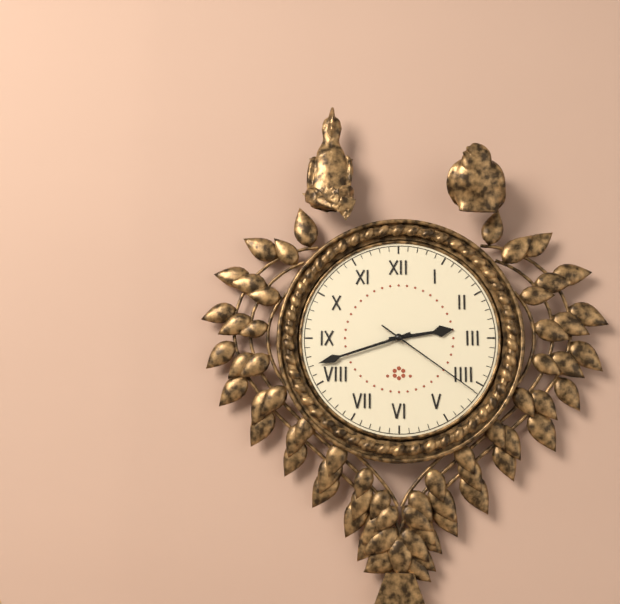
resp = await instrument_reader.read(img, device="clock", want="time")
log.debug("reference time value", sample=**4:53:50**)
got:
**2:42:21**
